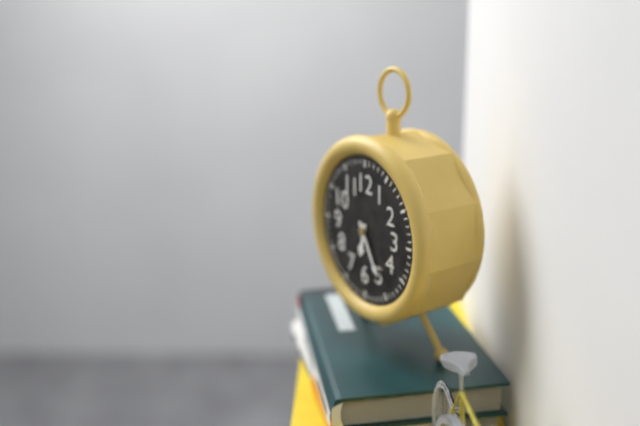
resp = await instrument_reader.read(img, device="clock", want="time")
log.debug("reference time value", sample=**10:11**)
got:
**6:25**
